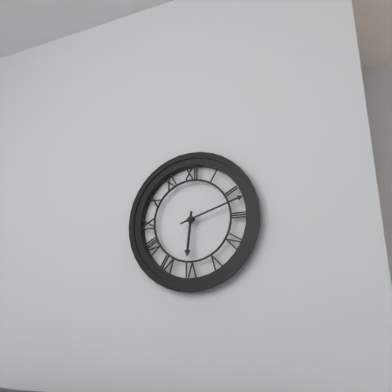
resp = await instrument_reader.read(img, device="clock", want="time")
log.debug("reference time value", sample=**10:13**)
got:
**6:12**
